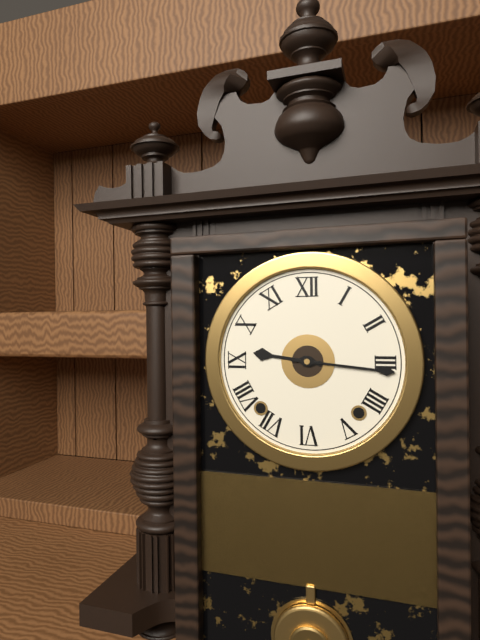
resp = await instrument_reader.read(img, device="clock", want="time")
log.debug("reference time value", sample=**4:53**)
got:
**9:16**
